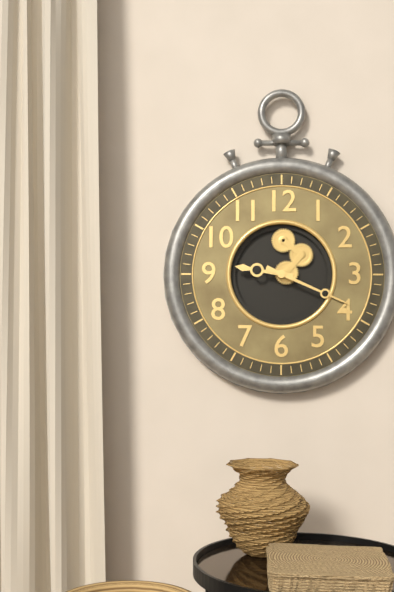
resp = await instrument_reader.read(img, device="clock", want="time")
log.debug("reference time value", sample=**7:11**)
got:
**9:19**
